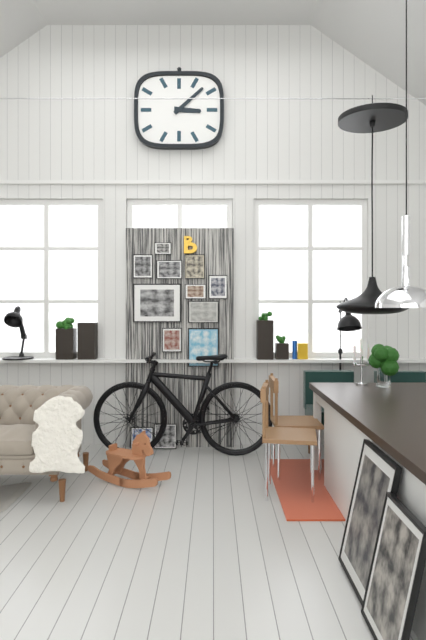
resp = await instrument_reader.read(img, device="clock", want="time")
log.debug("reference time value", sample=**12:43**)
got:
**3:08**
